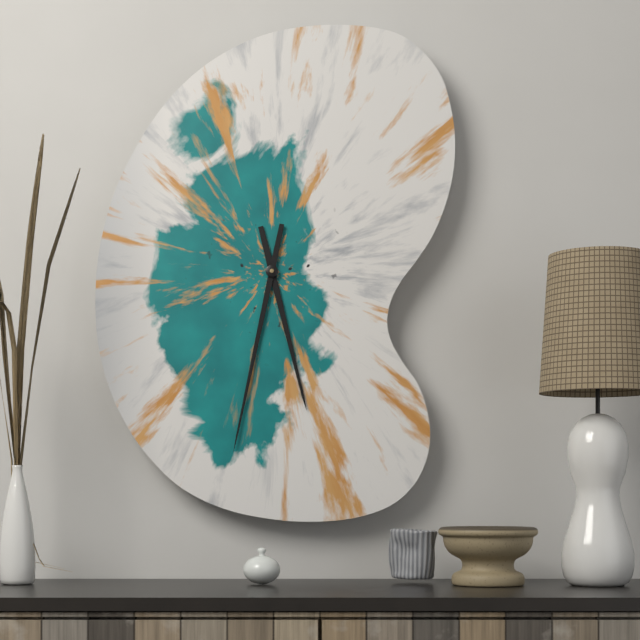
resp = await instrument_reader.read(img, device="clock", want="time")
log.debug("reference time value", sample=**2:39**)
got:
**5:32**
